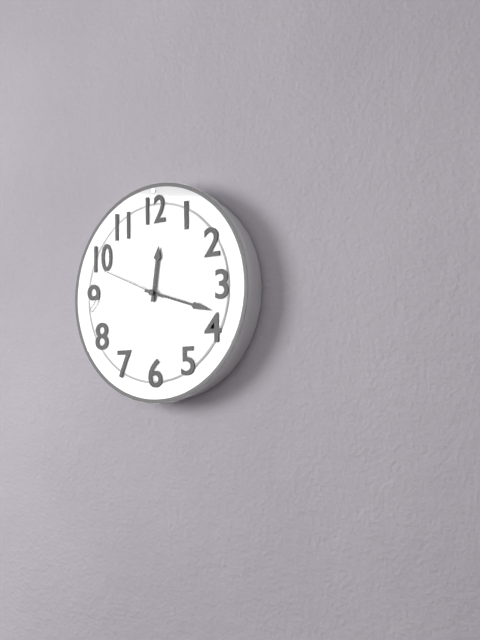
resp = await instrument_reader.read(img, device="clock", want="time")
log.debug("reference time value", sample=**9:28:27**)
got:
**12:18:49**
